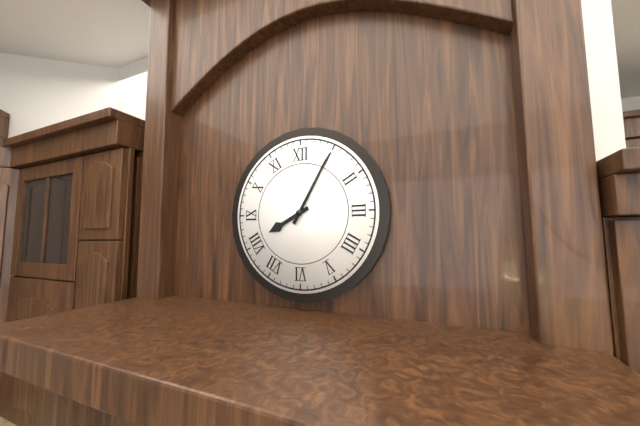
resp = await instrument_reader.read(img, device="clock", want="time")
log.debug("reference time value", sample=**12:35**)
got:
**8:05**
